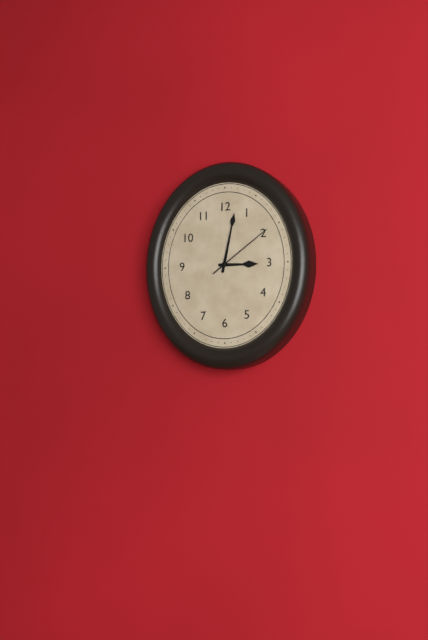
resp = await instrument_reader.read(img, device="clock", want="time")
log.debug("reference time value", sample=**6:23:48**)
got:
**3:02:09**
